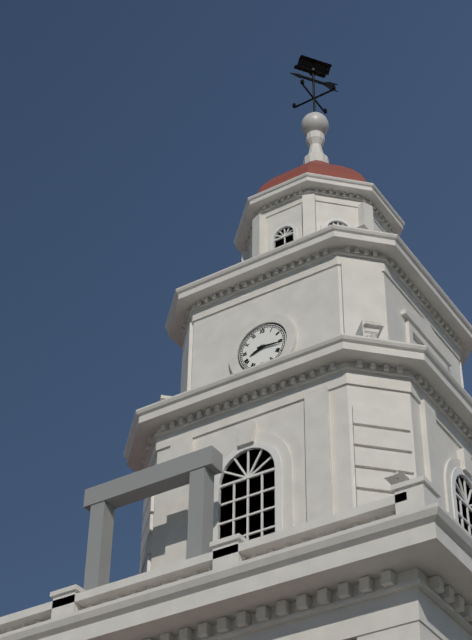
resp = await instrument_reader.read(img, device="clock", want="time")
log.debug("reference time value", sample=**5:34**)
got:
**8:16**
